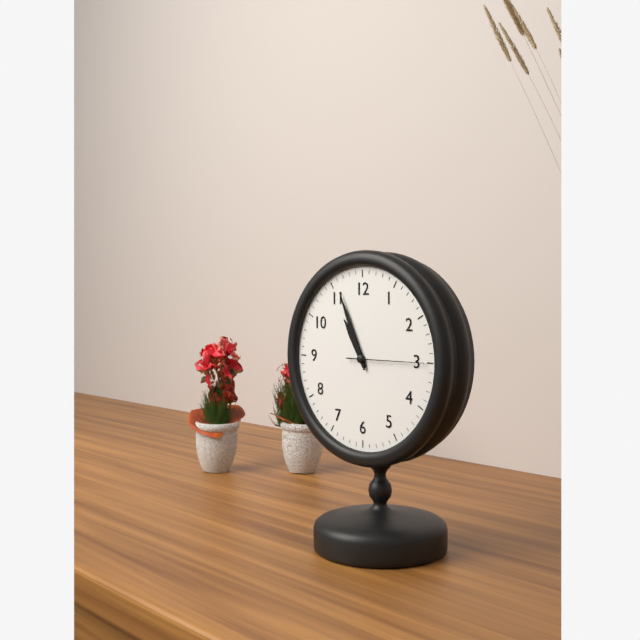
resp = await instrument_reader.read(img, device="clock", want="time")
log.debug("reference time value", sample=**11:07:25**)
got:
**10:56:15**
